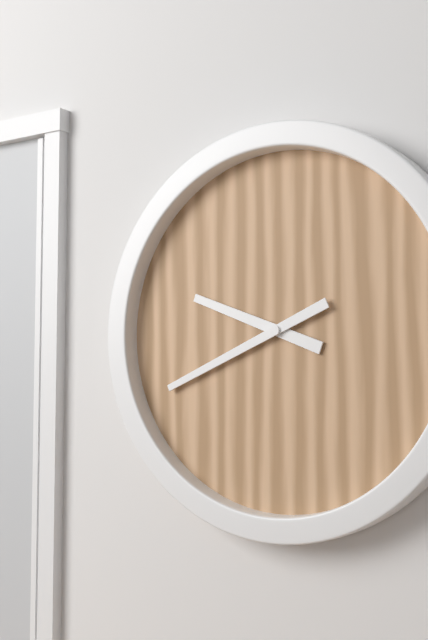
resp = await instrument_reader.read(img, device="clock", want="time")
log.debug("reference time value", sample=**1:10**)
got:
**9:41**
